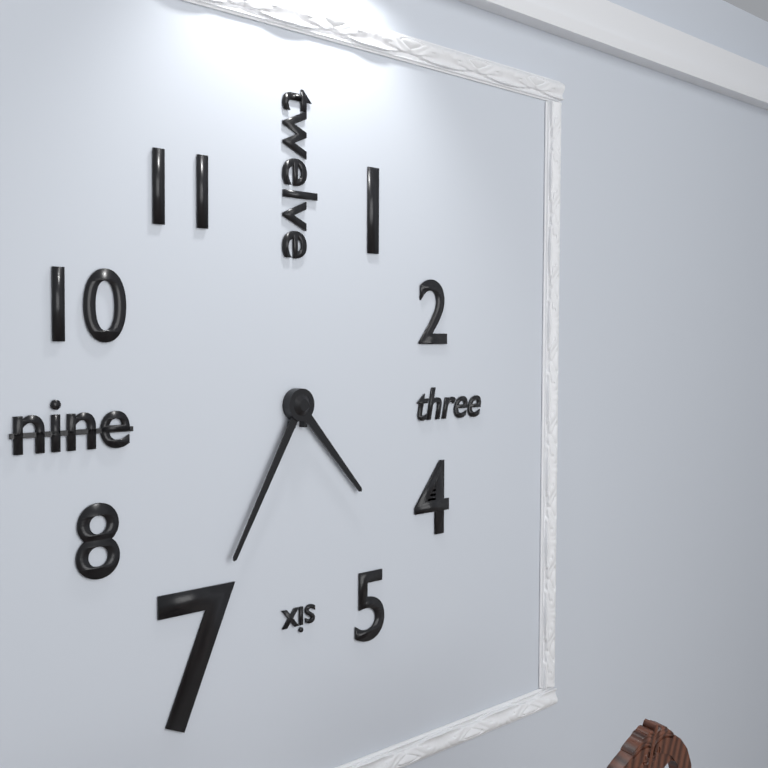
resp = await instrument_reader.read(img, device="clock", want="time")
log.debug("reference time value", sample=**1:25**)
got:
**4:35**
